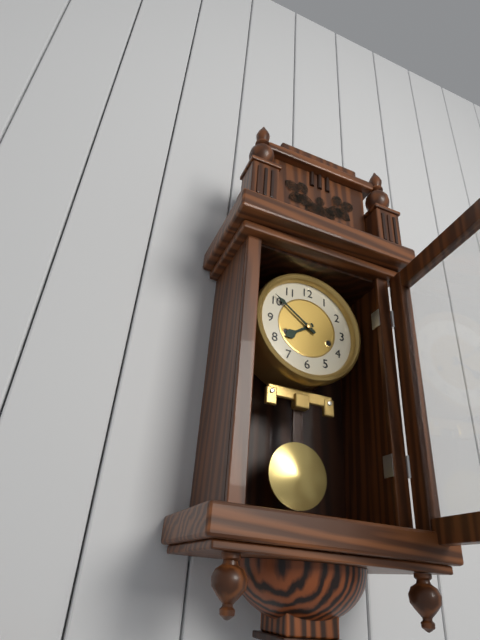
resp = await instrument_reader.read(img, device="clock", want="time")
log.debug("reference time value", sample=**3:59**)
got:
**7:51**
